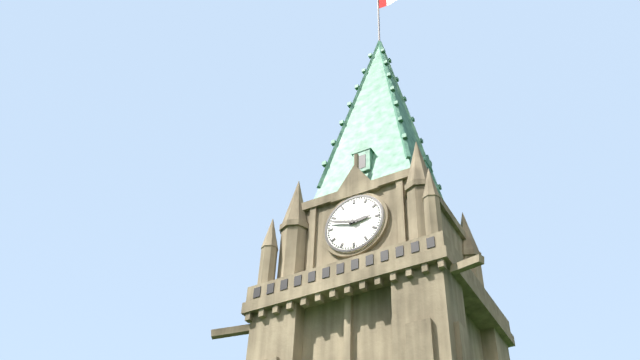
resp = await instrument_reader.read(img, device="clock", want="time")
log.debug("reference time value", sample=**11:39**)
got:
**2:48**
